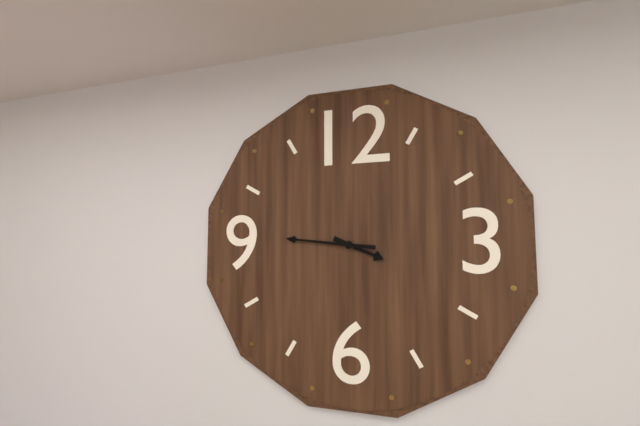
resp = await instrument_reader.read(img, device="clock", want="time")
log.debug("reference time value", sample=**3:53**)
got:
**3:46**
